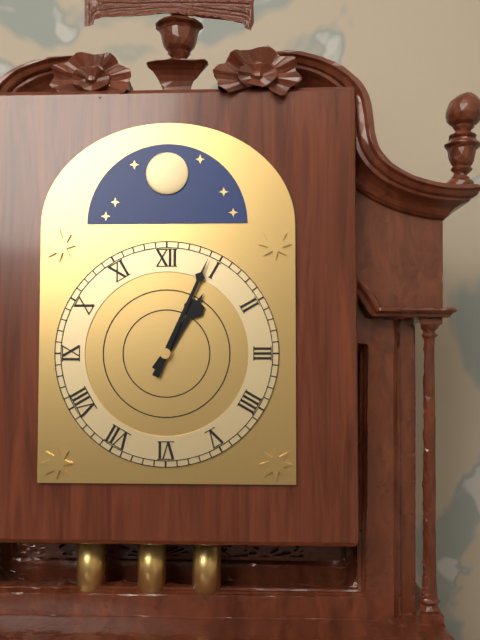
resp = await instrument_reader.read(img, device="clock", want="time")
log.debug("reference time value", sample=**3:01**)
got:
**1:04**
